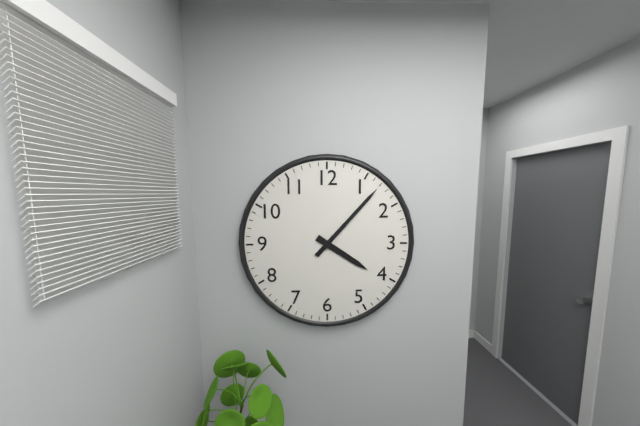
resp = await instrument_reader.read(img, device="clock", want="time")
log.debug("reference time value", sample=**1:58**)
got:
**4:07**
